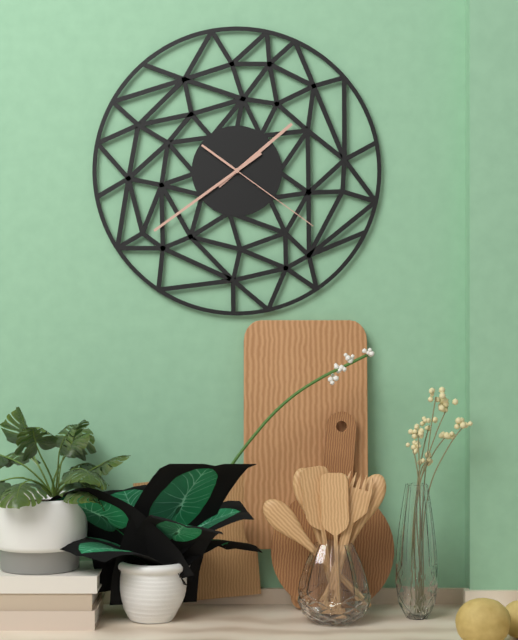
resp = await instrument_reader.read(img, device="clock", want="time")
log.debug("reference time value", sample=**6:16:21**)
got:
**1:39:21**
